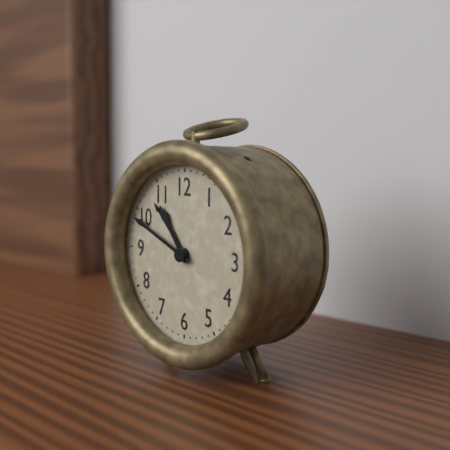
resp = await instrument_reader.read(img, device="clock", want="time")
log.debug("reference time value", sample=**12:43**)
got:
**10:49**
